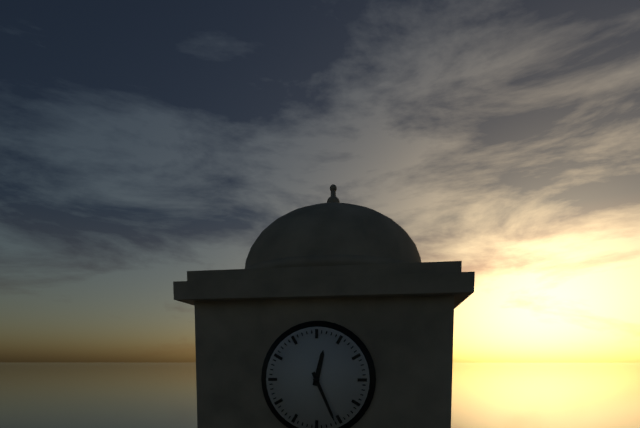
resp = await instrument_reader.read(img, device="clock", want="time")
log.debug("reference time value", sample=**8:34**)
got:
**12:26**
